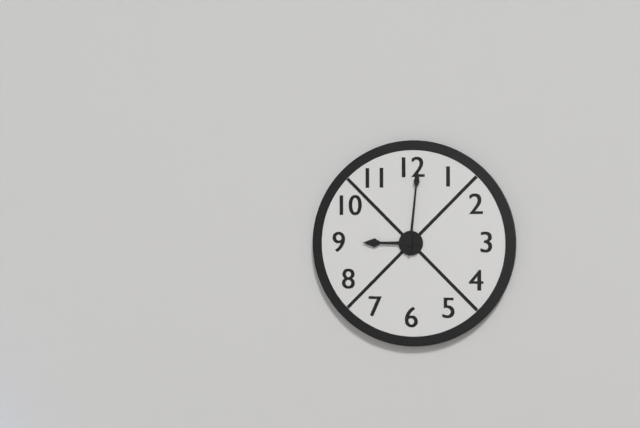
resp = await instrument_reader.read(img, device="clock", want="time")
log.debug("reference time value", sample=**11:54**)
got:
**9:01**
